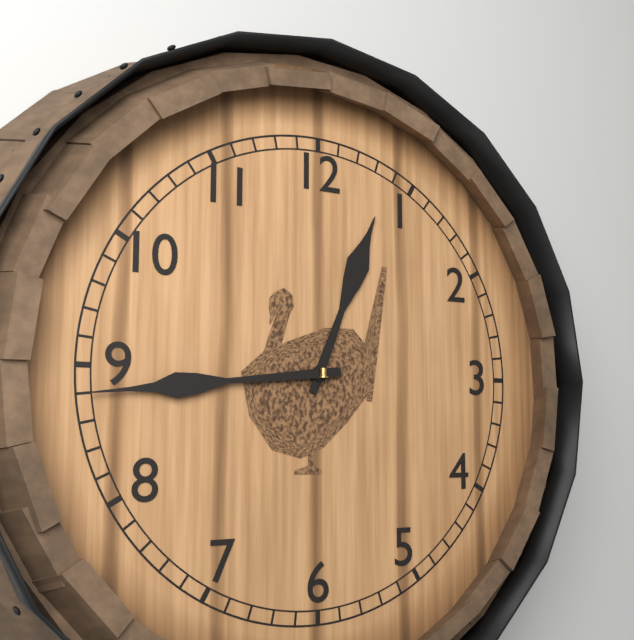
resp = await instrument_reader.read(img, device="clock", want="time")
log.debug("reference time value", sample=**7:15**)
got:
**12:44**
